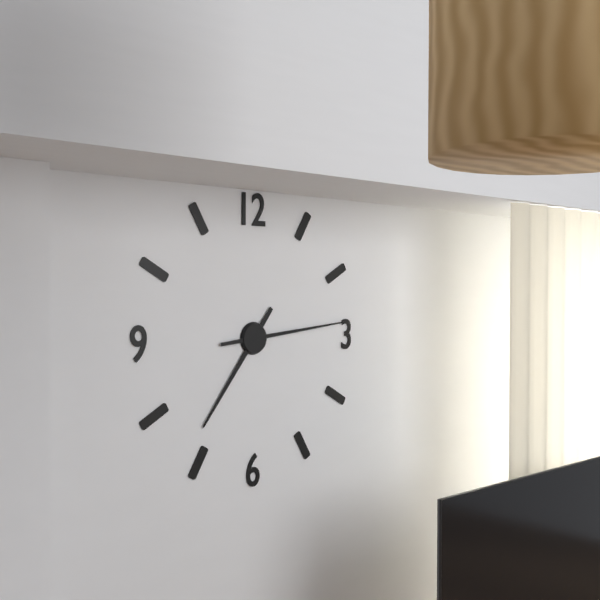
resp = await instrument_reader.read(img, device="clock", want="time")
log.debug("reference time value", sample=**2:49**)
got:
**7:14**
